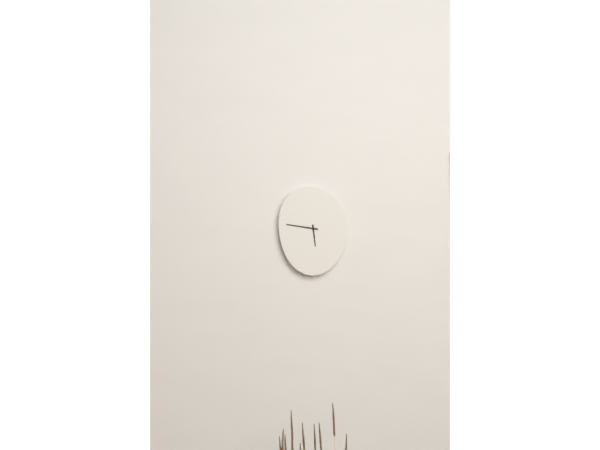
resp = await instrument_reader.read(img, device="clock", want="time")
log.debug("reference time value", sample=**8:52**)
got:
**5:46**
